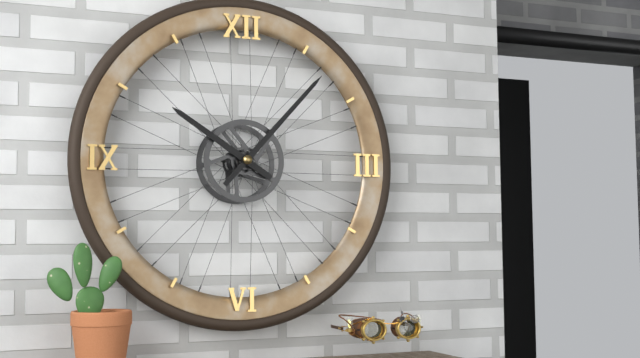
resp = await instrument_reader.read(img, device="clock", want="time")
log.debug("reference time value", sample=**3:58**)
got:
**10:07**
